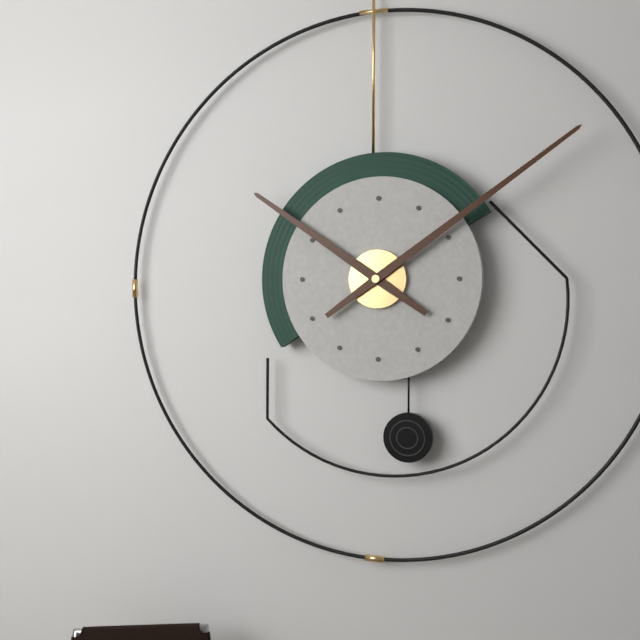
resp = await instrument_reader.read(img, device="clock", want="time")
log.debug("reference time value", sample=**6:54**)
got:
**10:09**
